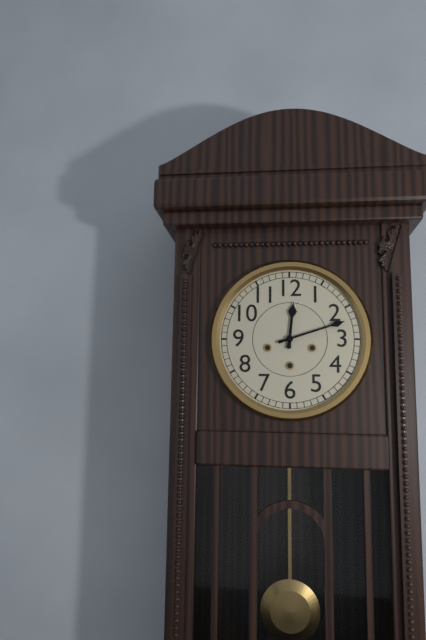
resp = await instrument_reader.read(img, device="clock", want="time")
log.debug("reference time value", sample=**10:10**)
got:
**12:12**
